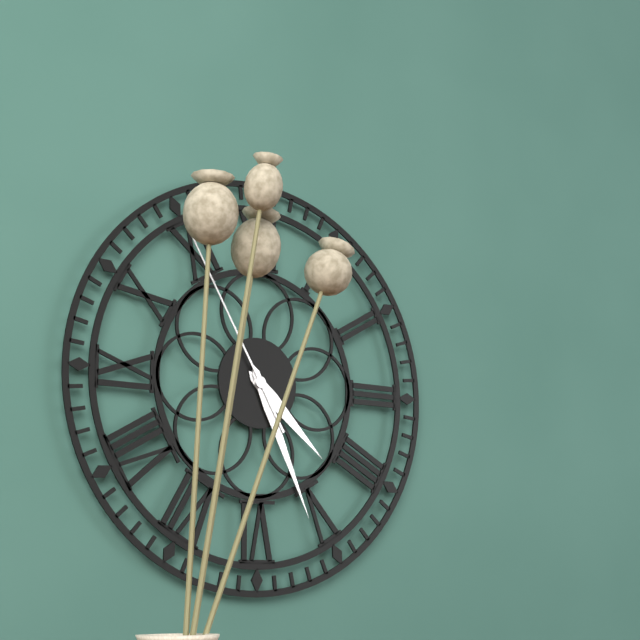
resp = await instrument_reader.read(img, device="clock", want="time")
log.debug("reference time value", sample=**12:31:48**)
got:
**4:26:55**
